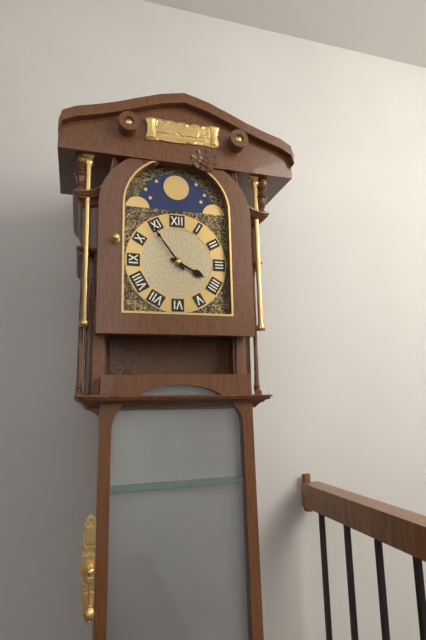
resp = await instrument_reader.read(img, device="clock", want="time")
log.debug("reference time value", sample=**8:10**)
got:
**3:54**
